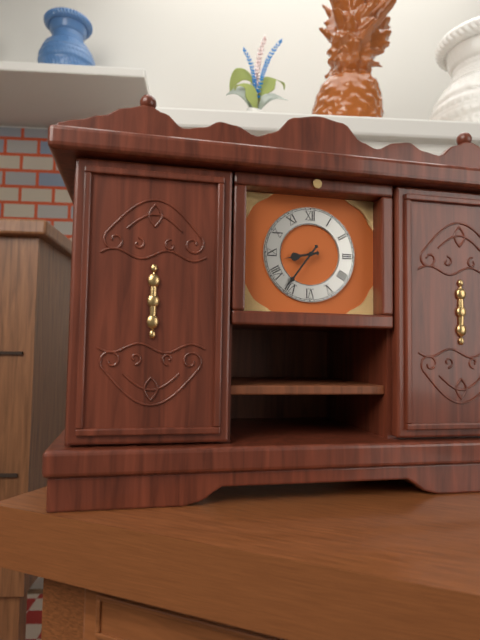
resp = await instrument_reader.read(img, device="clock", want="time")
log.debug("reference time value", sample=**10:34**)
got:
**8:36**
